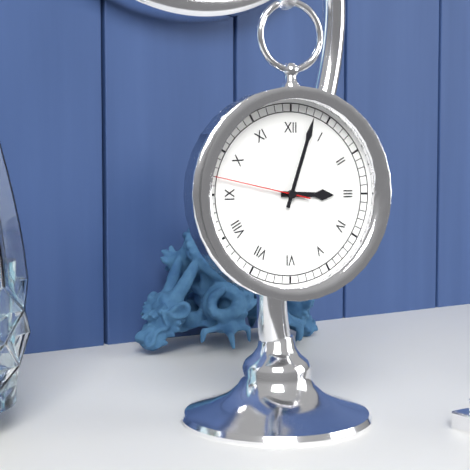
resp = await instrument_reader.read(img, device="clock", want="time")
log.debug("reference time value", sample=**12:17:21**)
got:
**3:03:47**
